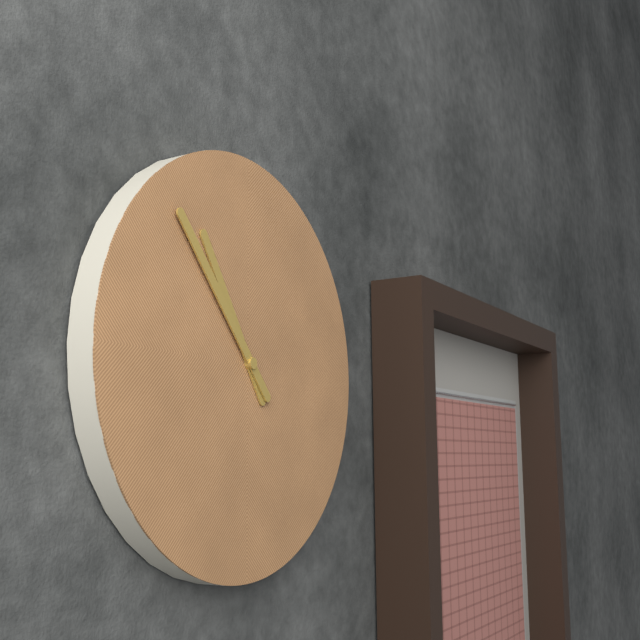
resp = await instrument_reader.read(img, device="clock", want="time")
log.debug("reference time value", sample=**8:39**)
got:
**10:53**
